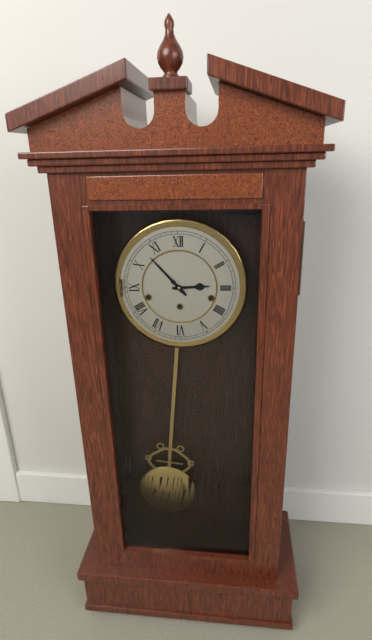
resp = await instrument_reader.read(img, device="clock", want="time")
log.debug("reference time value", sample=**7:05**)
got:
**2:53**
